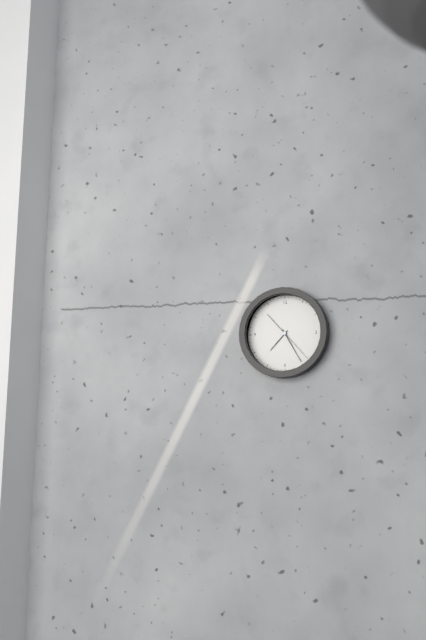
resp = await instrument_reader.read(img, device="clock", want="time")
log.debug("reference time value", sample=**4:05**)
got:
**7:25**
